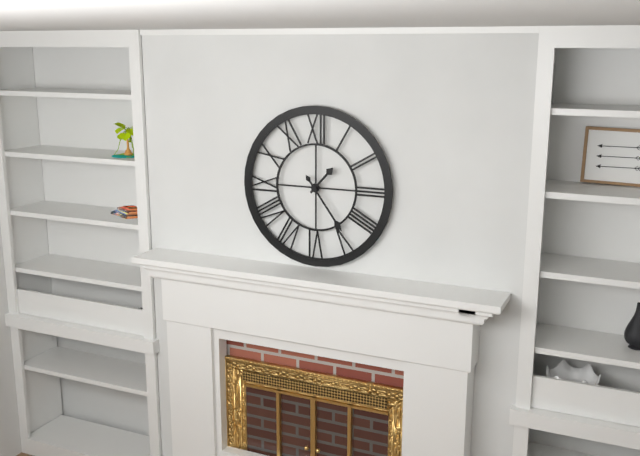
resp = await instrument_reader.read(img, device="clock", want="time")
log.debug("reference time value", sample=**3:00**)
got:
**1:24**
